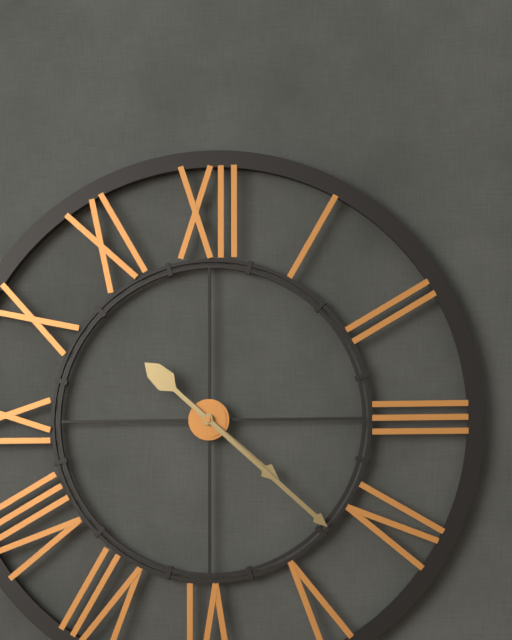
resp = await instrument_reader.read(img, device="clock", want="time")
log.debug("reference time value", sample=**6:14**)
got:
**4:22**
